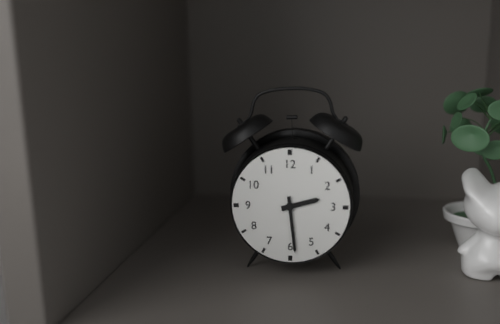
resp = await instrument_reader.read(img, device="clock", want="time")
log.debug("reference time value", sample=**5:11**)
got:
**2:29**
